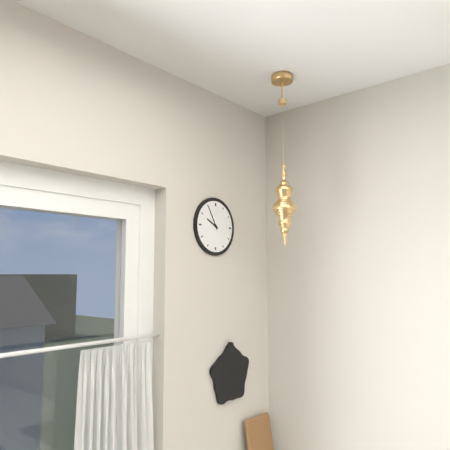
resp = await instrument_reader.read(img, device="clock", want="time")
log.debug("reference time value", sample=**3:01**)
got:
**9:55**
